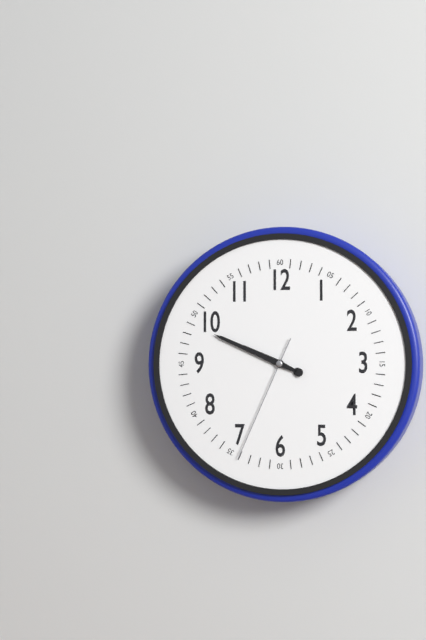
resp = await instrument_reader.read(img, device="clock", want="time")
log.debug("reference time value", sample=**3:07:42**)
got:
**9:49:34**
